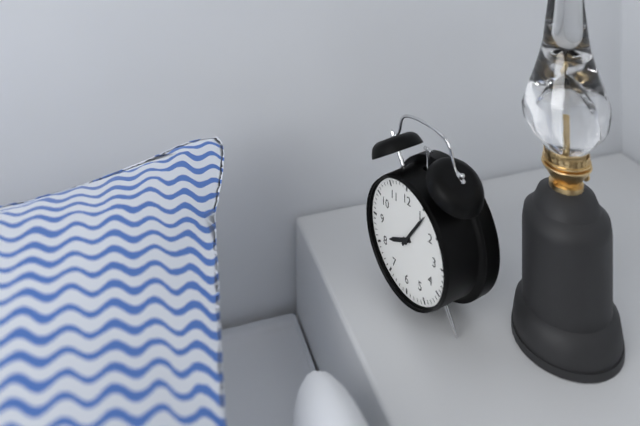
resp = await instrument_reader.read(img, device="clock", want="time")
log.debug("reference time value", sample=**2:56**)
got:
**8:06**
